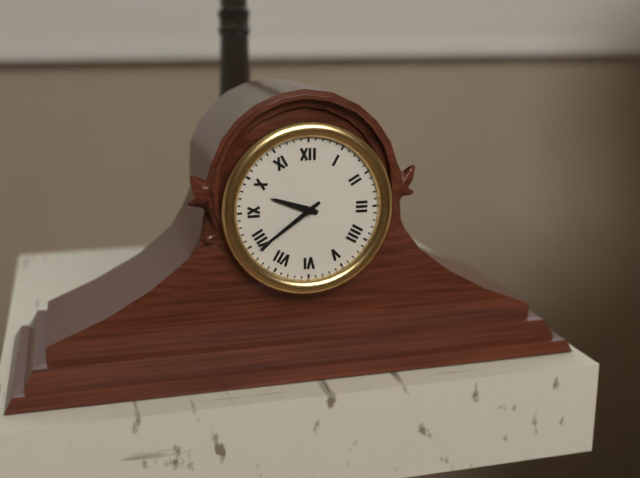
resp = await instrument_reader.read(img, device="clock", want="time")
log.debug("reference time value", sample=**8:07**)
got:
**9:39**
